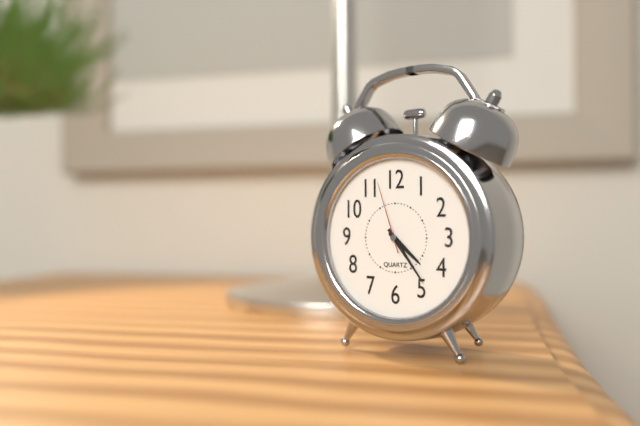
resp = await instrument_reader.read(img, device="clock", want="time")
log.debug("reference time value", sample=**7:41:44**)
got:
**4:24:57**
